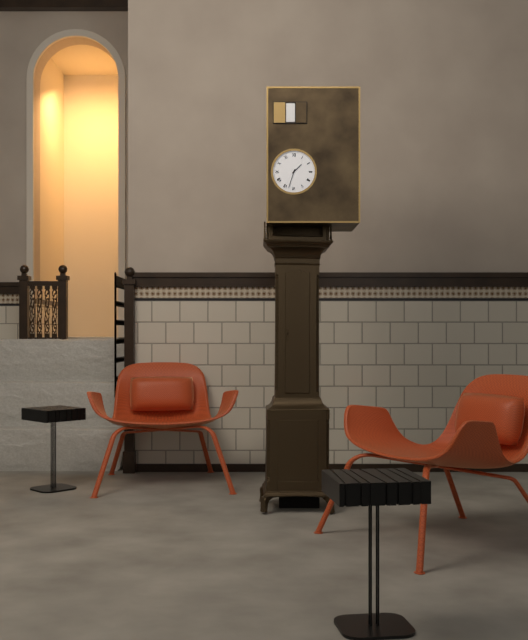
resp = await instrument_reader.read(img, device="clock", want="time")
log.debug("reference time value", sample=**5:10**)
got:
**1:33**
